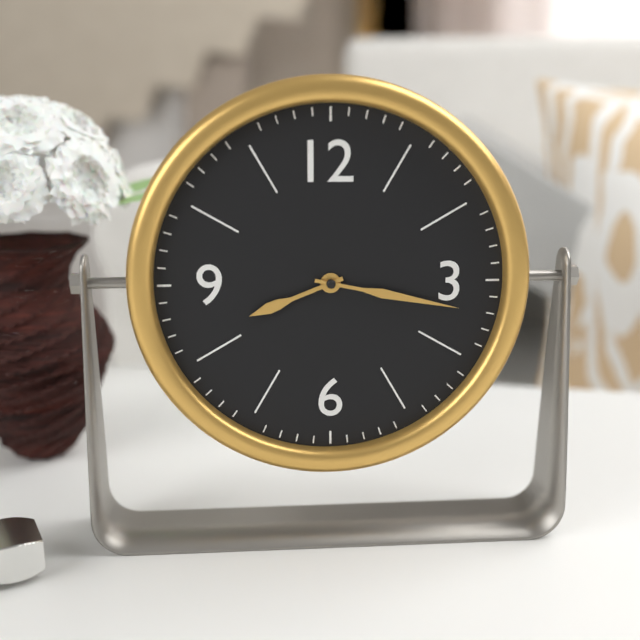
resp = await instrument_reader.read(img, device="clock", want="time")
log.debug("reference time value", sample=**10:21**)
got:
**8:17**
